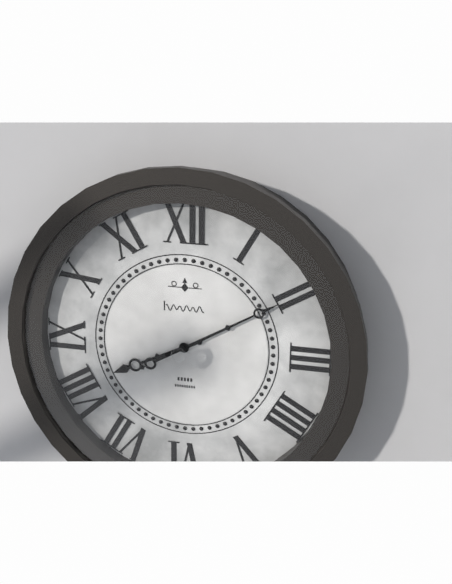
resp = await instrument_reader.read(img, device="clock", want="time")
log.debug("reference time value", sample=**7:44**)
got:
**8:10**
